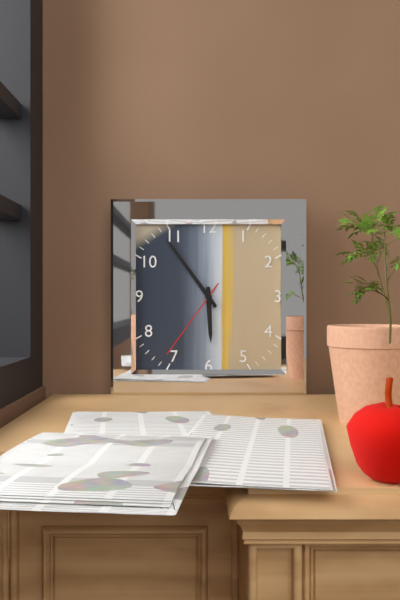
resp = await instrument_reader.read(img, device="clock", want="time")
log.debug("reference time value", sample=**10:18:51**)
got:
**5:54:36**
